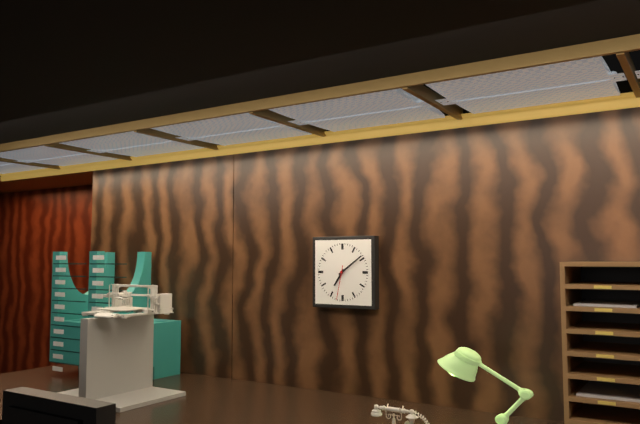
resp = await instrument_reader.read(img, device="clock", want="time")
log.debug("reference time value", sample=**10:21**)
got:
**7:09**
